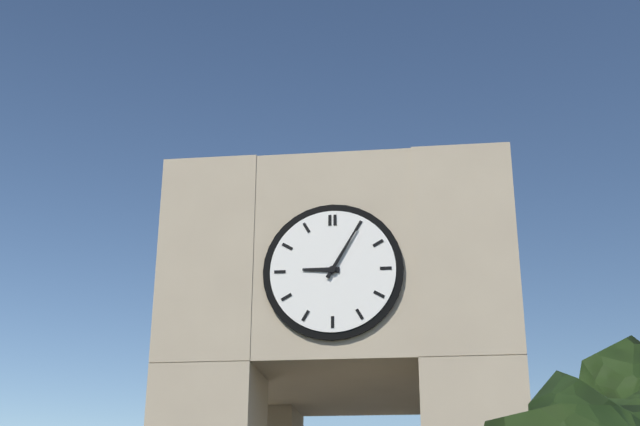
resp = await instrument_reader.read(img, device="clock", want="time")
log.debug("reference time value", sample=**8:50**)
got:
**9:05**
